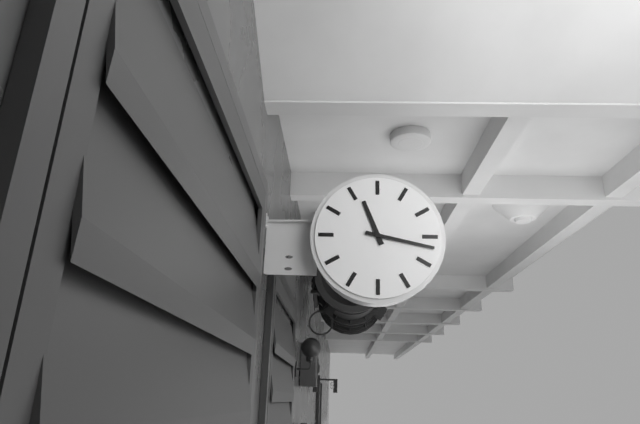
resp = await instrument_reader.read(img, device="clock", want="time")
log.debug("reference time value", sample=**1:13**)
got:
**11:17**
